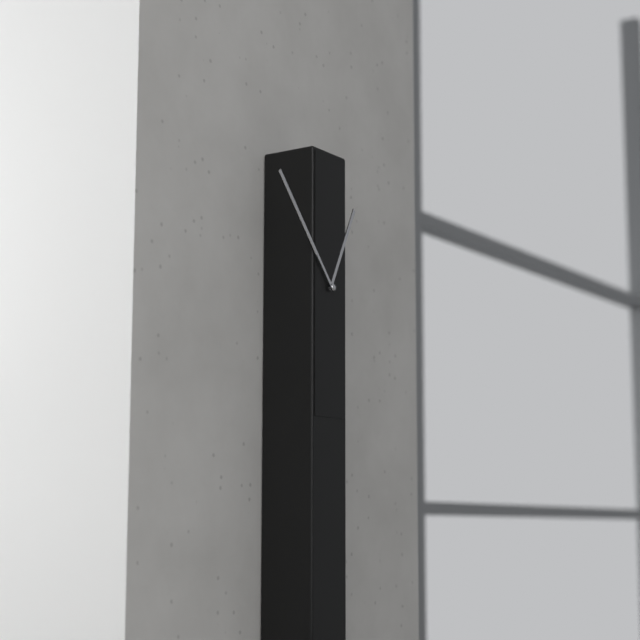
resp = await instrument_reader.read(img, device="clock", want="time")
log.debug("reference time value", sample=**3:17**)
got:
**12:53**
